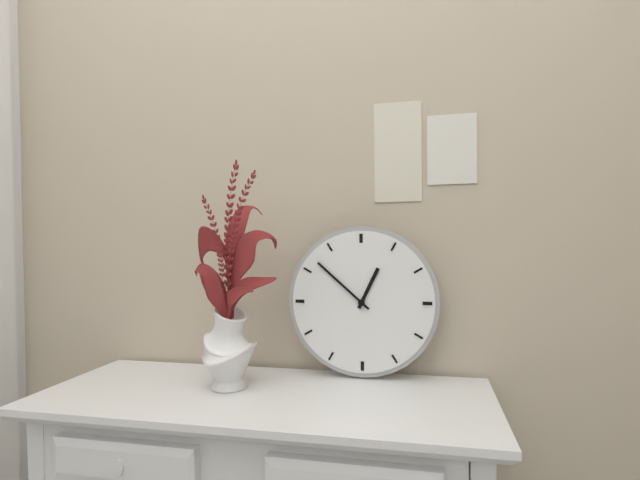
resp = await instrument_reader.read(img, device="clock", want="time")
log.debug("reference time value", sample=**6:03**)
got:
**12:52**
